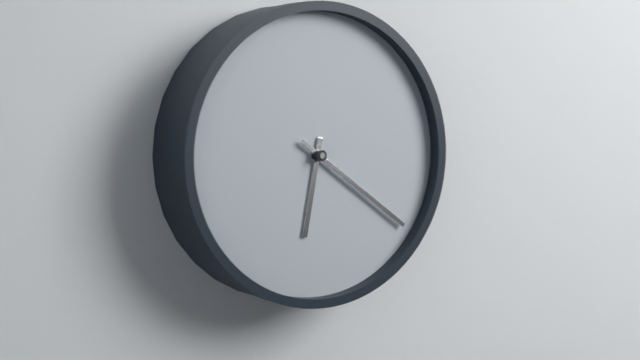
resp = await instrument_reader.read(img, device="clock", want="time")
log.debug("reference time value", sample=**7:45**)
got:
**6:21**
